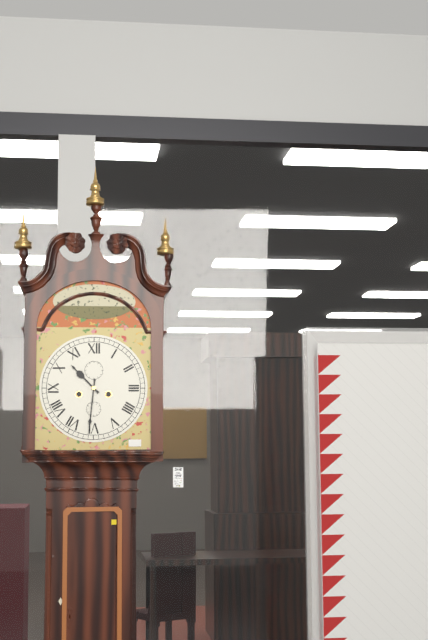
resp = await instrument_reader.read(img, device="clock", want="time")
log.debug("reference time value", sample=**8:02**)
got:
**10:31**
